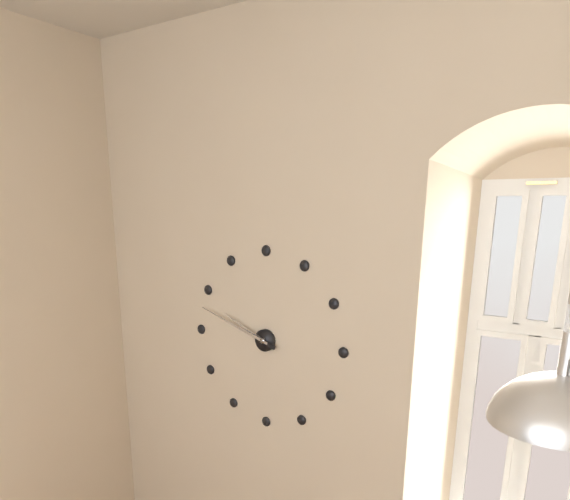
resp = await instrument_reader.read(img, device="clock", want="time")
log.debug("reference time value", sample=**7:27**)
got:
**9:48**
